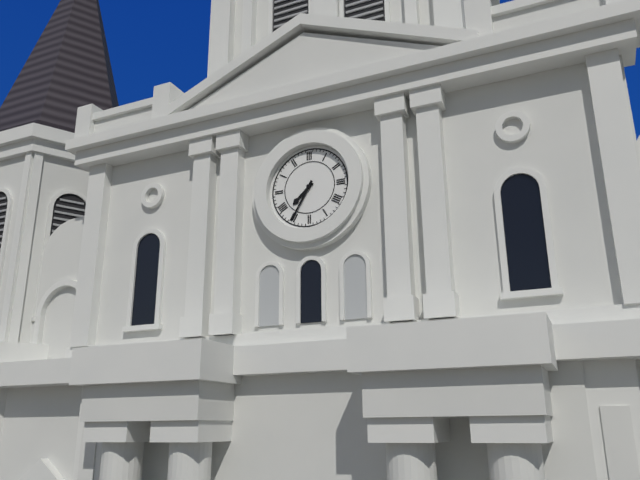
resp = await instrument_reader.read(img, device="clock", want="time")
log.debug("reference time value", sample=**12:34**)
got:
**7:35**
